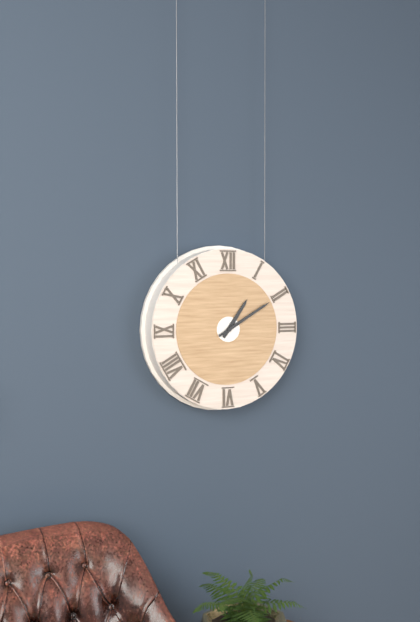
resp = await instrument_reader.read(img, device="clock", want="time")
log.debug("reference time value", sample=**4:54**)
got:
**1:10**
